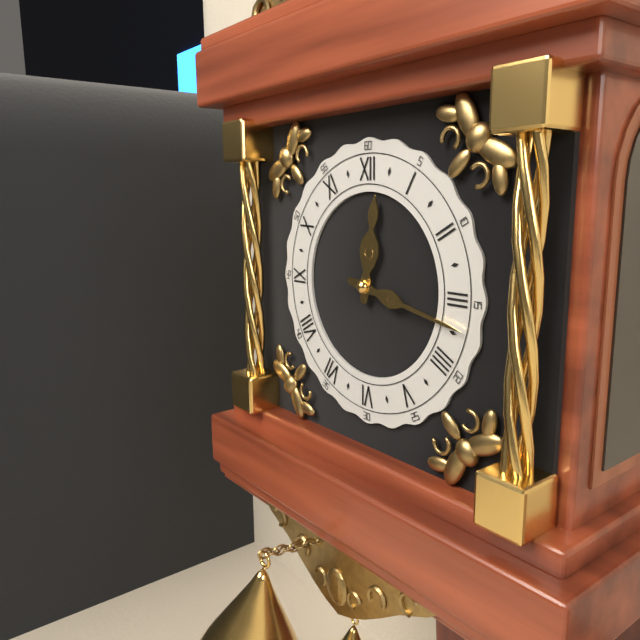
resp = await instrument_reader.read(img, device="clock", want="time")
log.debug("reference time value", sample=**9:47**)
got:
**12:17**
